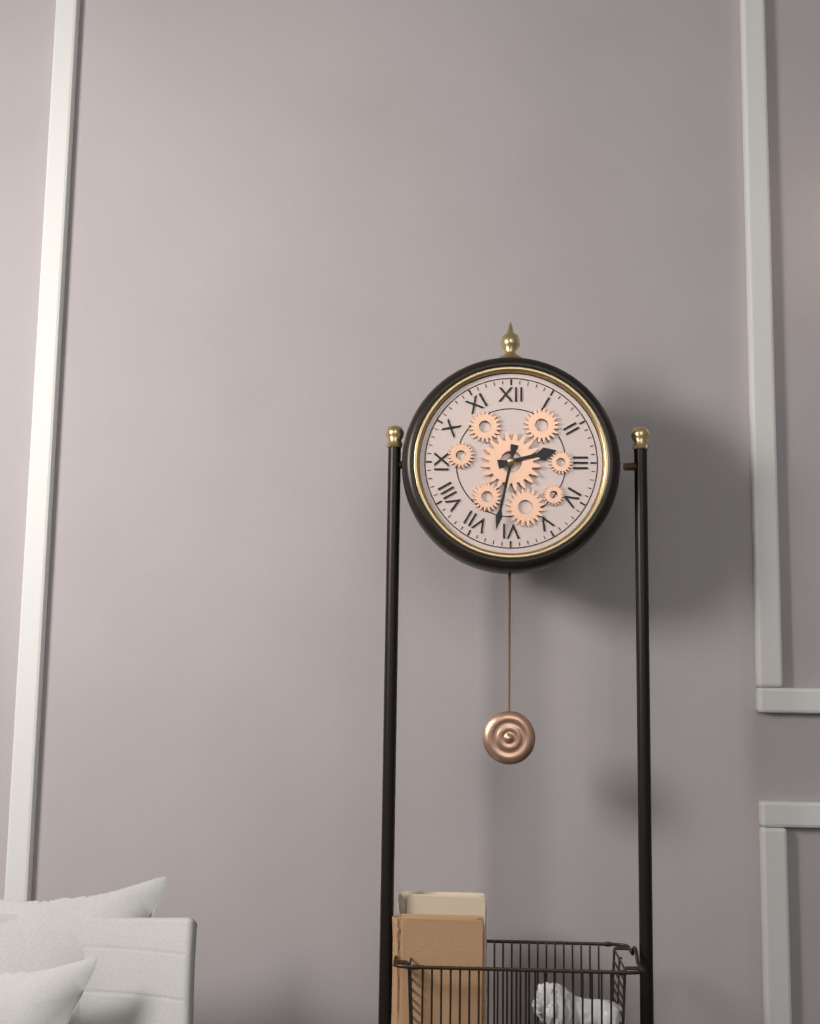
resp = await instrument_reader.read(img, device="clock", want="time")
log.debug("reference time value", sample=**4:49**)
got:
**2:32**
